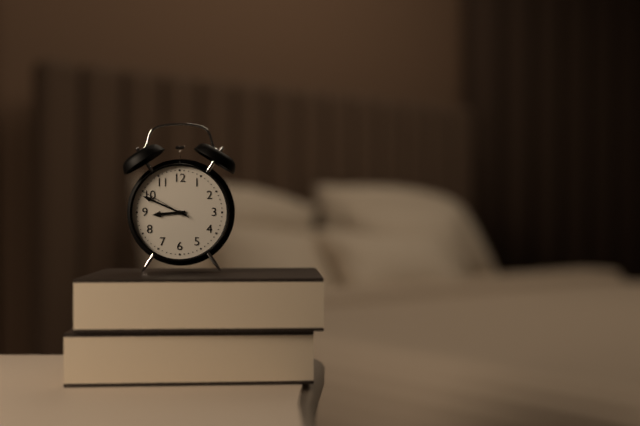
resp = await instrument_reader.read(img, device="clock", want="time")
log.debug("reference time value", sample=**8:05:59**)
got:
**8:49:50**
